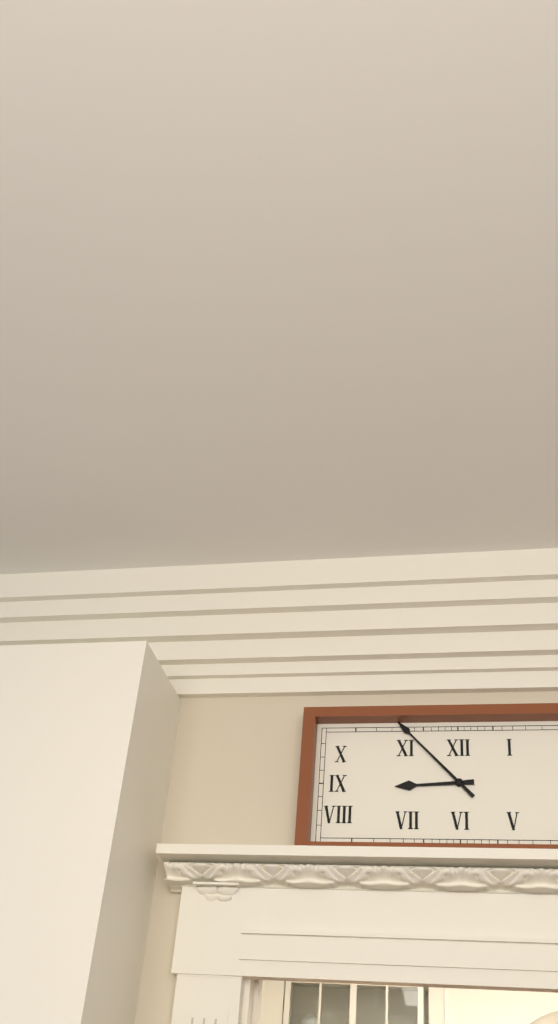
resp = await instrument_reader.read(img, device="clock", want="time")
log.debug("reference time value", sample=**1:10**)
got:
**8:53**
